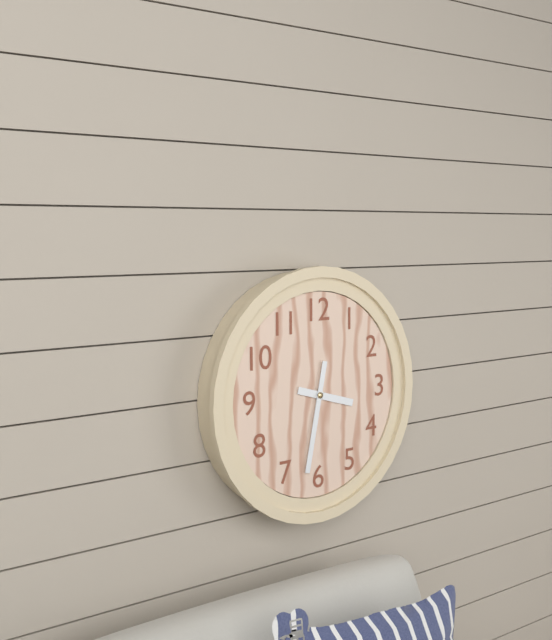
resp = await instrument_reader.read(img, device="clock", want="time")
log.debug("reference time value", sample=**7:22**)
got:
**3:32**
